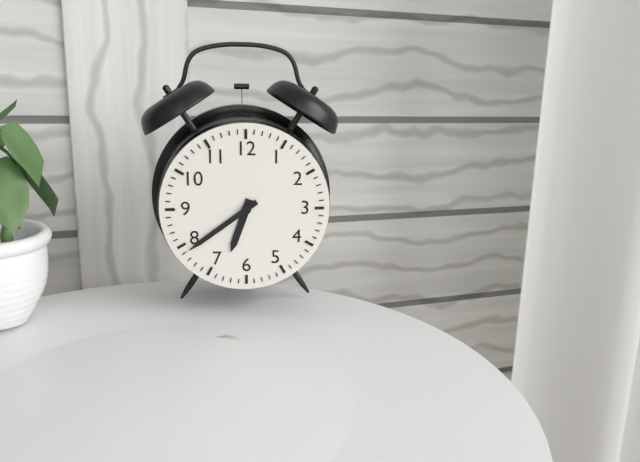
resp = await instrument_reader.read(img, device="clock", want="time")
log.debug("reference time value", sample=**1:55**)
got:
**6:39**
